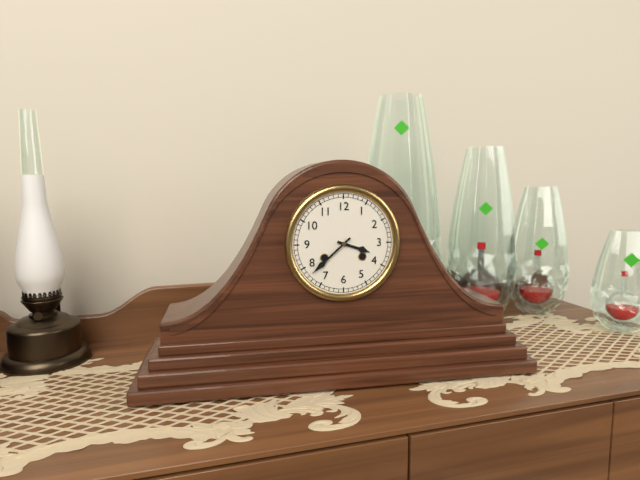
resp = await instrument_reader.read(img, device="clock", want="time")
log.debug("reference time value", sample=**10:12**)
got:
**3:38**
